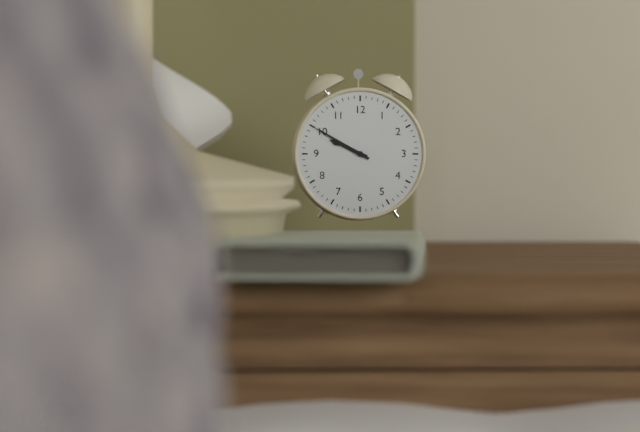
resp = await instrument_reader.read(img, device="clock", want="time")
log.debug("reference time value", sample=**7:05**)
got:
**9:50**
